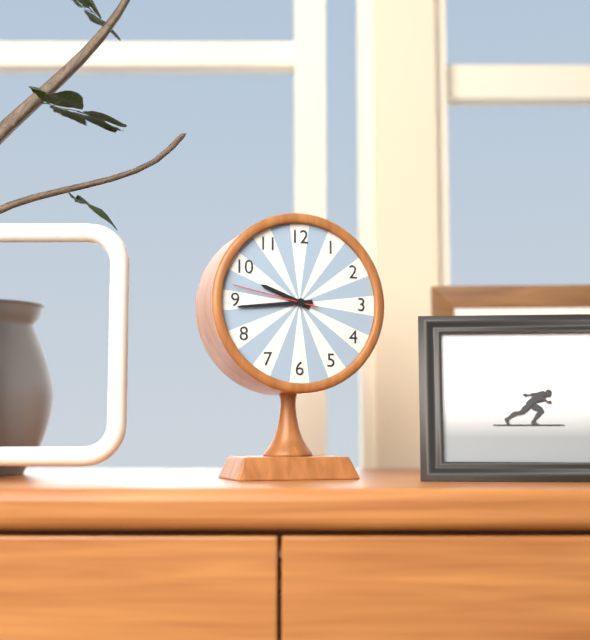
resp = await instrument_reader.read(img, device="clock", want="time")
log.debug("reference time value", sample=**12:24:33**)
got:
**9:44:47**
